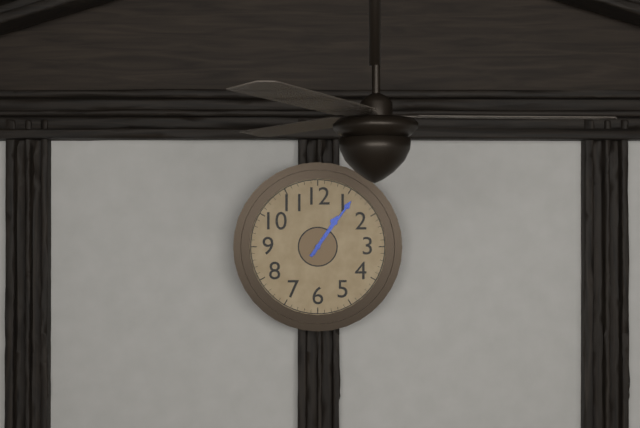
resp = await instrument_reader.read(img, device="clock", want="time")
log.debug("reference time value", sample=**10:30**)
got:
**1:06**
